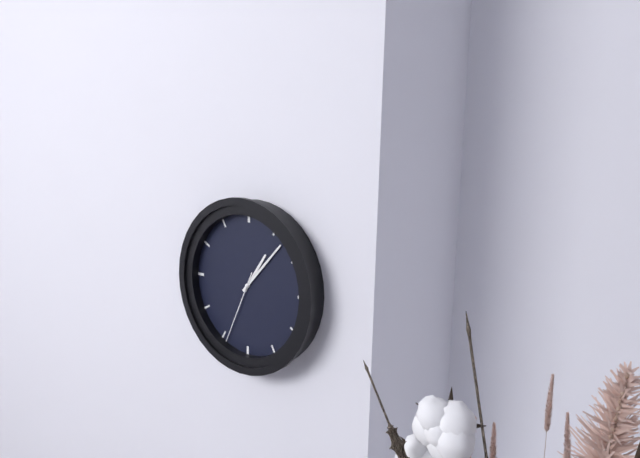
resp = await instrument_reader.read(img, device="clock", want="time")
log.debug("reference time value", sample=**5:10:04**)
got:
**1:07:34**
